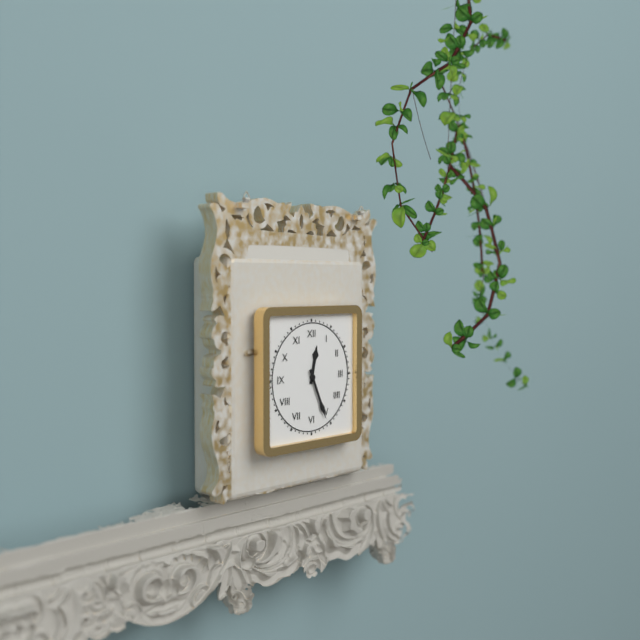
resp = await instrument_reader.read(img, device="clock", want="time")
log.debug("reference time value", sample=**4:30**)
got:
**12:26**
